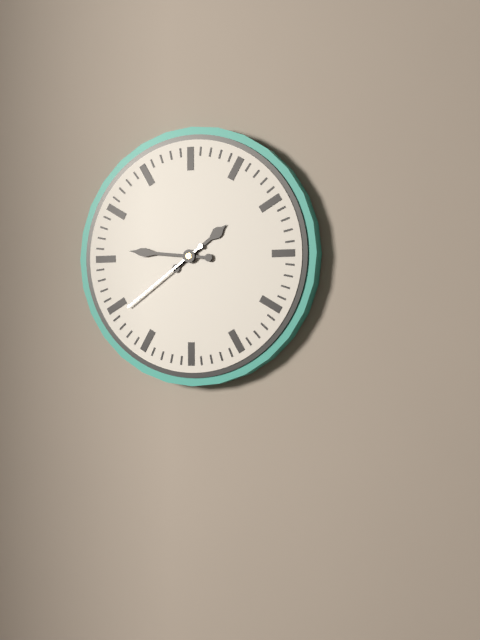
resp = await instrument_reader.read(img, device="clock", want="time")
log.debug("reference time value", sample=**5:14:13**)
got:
**1:46:39**
